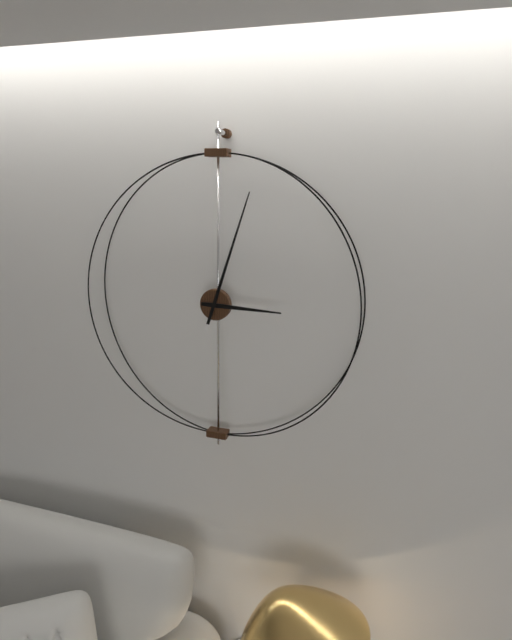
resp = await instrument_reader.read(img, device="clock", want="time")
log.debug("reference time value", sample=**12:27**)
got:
**3:03**
